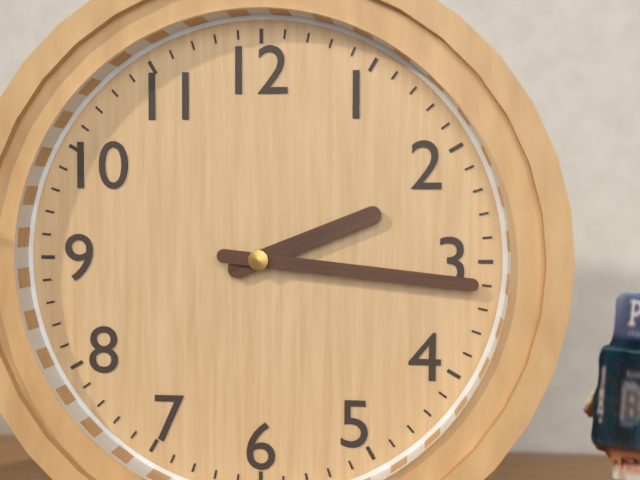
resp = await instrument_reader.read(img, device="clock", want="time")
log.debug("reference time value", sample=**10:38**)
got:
**2:16**
